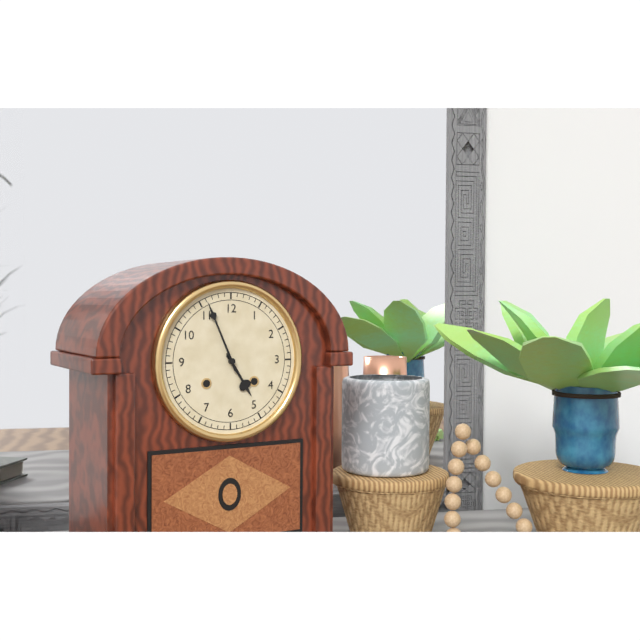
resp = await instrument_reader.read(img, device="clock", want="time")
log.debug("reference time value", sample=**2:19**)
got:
**4:56**
